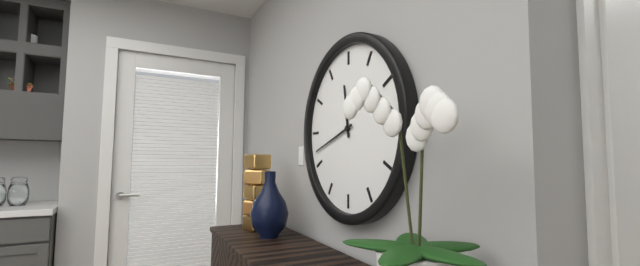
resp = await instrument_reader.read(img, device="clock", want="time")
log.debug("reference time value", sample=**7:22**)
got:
**11:42**
